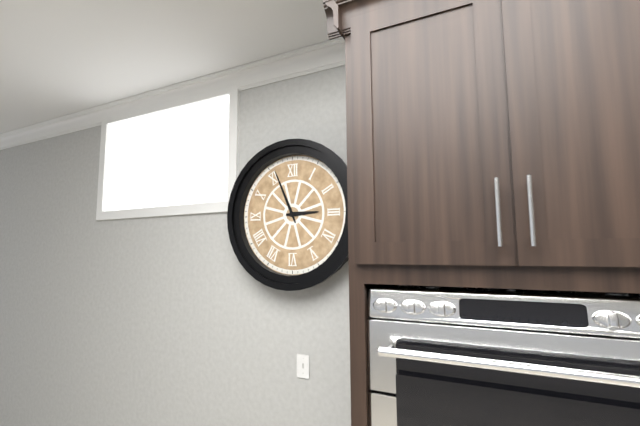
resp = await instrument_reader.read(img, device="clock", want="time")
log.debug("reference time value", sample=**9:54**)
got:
**2:56**
